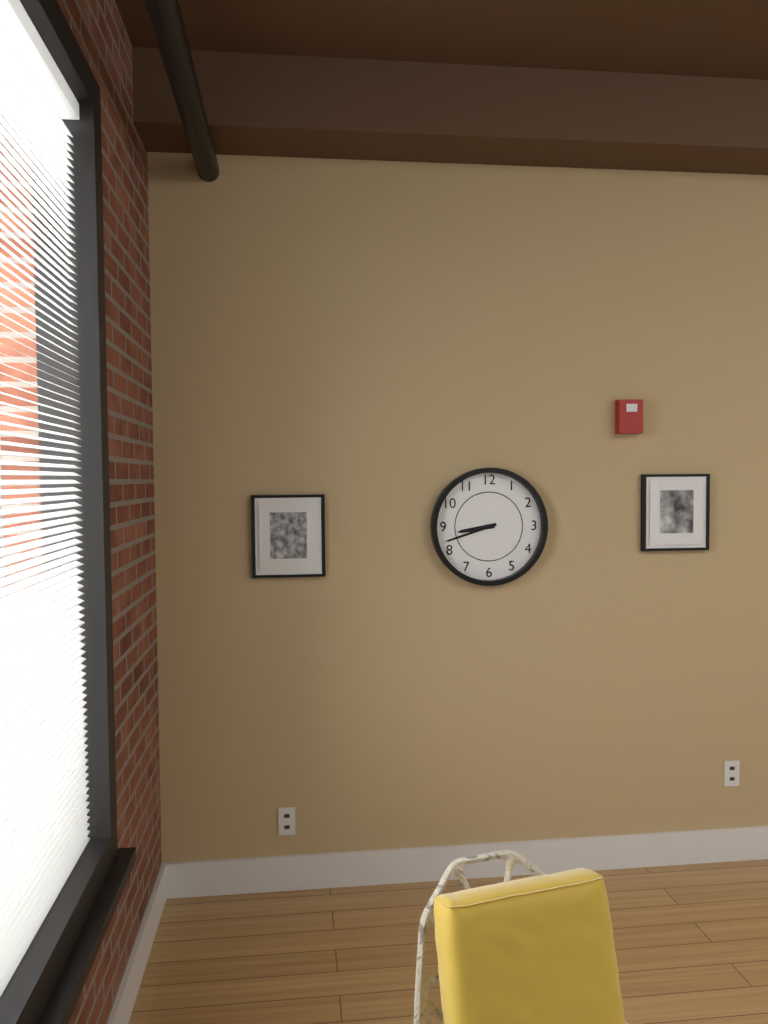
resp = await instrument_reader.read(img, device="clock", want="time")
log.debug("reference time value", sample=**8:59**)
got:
**8:42**
